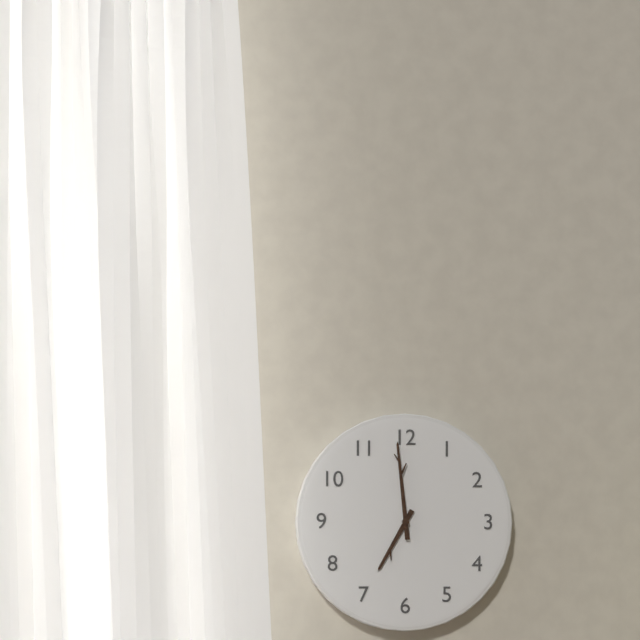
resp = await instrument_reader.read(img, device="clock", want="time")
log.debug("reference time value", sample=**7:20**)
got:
**6:59**
